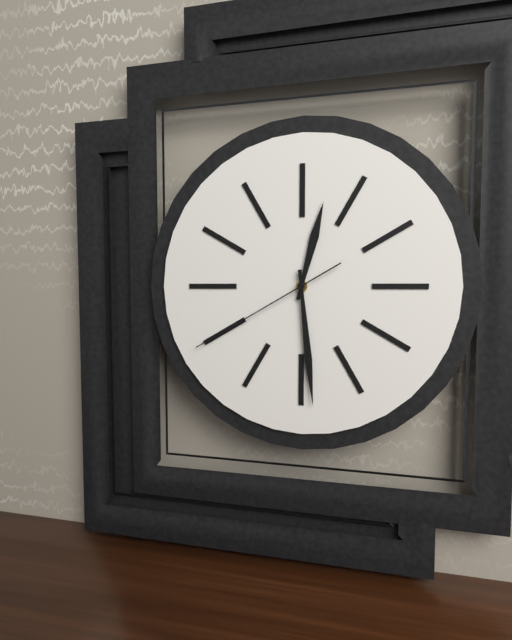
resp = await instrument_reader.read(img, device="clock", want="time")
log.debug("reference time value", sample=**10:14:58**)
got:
**12:29:40**
